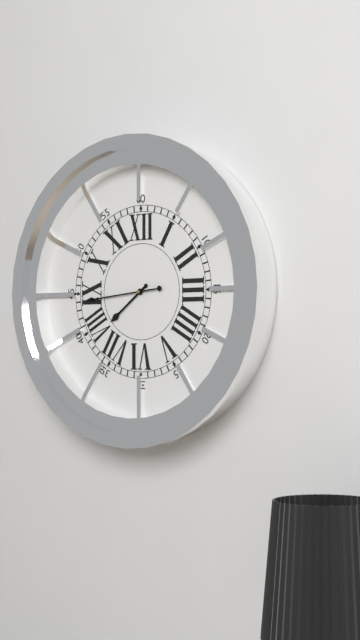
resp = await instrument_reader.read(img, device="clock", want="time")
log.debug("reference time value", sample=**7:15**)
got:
**7:44**
